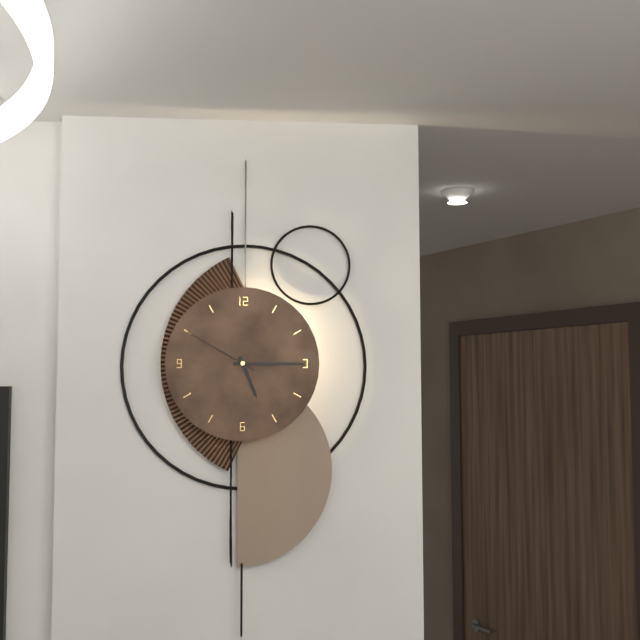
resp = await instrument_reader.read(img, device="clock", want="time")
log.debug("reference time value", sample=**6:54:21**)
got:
**5:15:50**
